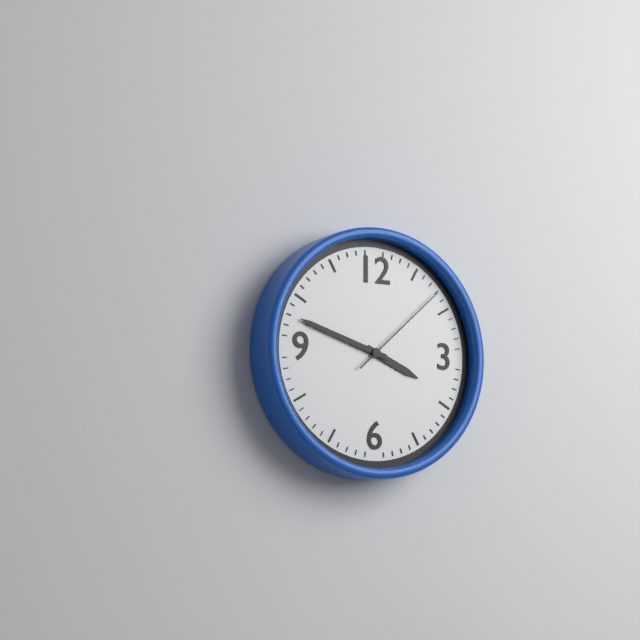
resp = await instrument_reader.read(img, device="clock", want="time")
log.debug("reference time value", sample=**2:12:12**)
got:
**3:48:08**
